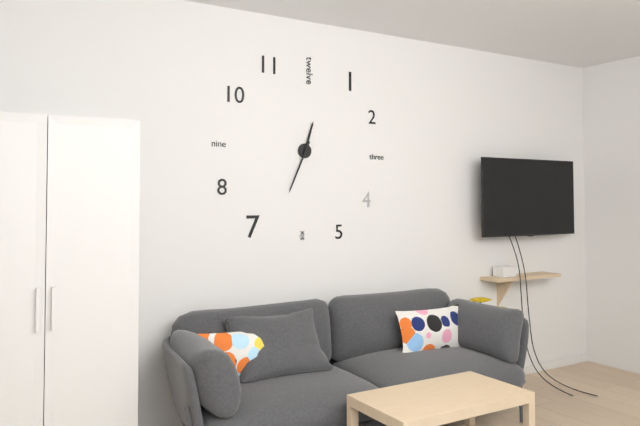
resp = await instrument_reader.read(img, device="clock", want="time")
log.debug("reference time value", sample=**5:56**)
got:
**12:34**
